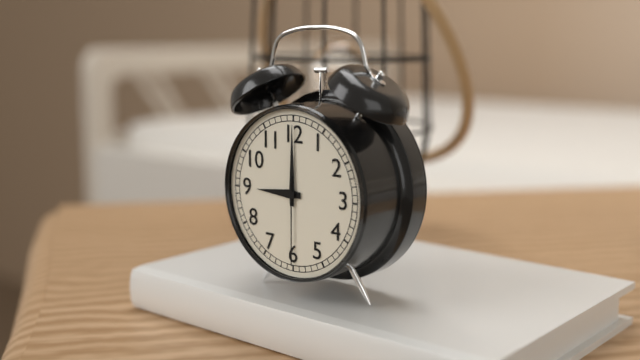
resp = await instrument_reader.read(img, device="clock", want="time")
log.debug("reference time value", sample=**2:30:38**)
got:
**9:00:30**
